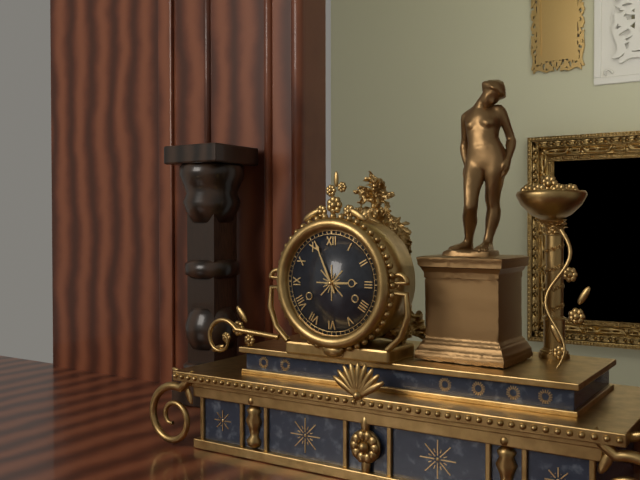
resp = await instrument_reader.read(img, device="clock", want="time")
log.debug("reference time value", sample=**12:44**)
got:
**2:56**
